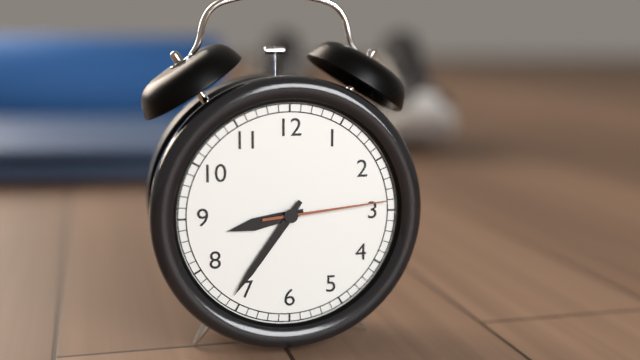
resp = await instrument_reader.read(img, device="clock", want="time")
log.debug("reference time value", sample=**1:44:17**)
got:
**8:36:14**
